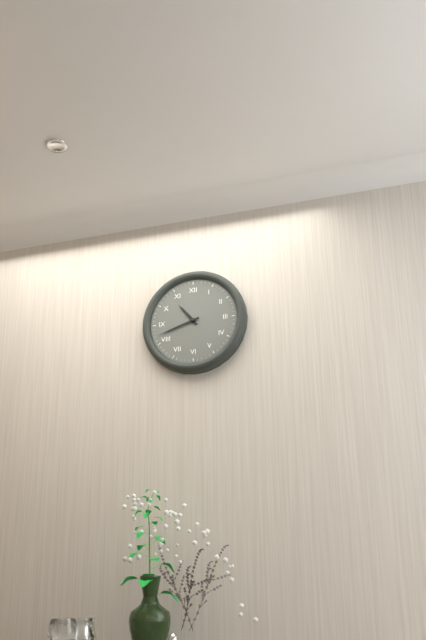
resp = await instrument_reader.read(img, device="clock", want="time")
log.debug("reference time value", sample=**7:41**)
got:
**10:42**
